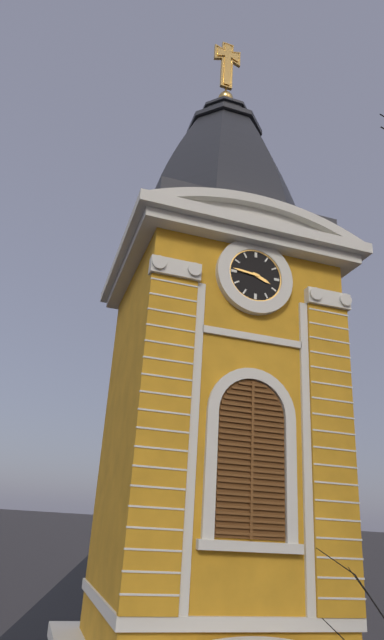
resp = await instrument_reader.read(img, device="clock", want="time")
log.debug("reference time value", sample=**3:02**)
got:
**3:46**
